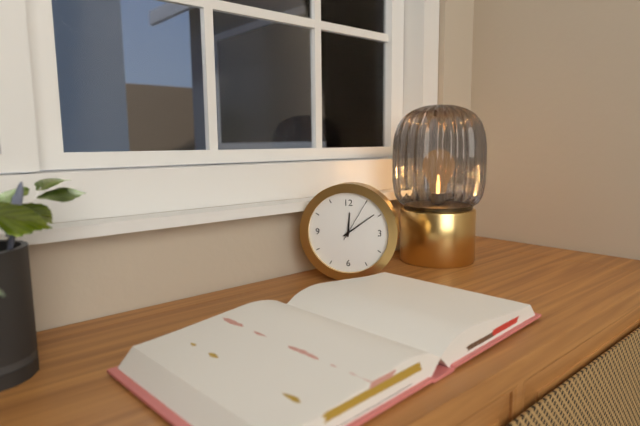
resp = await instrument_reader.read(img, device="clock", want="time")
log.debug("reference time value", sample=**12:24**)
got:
**12:09**
